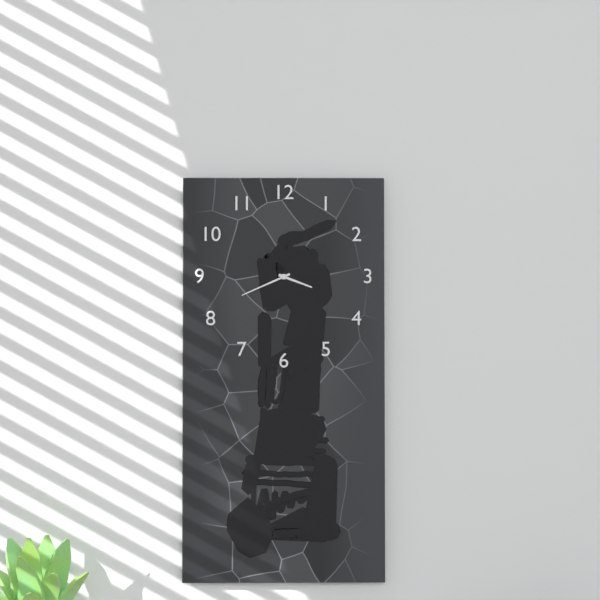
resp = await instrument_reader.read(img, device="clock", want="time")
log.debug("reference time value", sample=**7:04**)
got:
**3:41**
